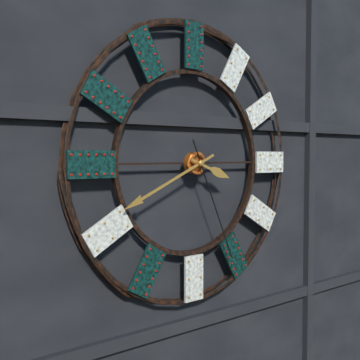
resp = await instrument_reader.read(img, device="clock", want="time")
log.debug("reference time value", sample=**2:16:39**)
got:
**3:41:26**
